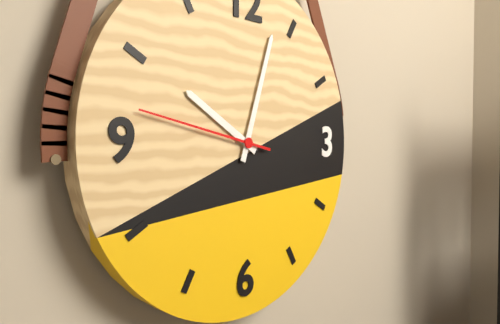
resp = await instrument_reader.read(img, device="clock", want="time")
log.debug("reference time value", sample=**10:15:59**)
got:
**10:03:47**
